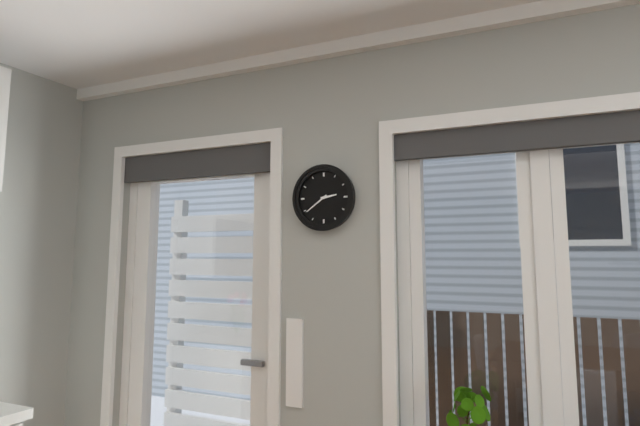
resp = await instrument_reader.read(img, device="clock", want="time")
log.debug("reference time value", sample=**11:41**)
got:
**2:39**
